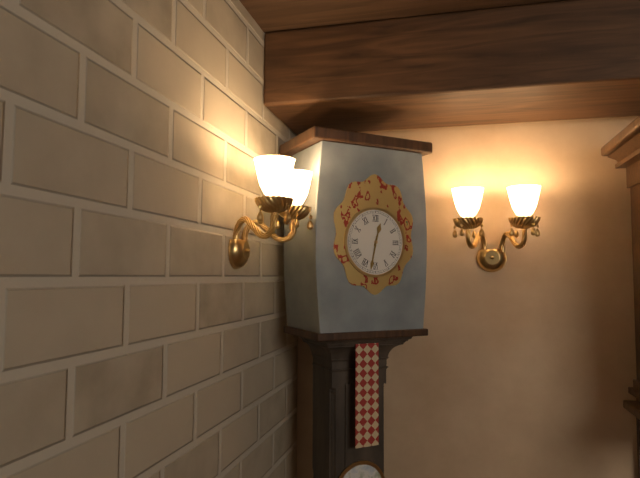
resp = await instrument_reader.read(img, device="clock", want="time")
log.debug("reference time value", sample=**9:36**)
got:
**12:32**
